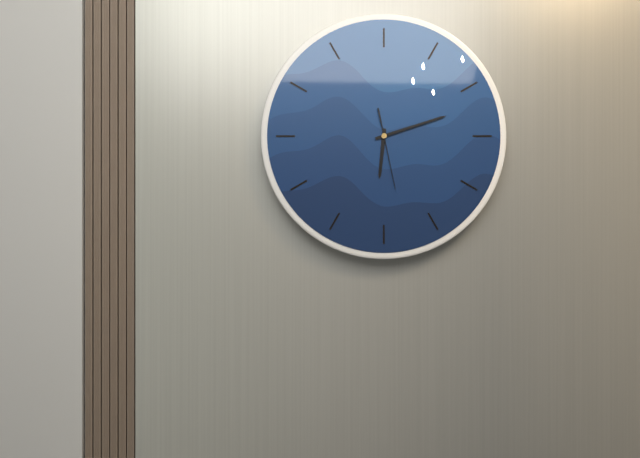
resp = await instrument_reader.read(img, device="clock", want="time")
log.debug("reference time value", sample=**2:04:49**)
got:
**6:12:28**
